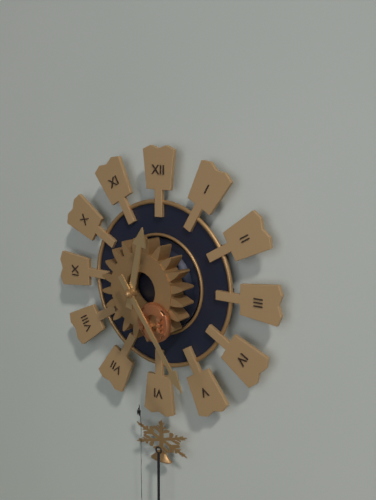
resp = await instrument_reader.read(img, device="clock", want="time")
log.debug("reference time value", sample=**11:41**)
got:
**12:24**
